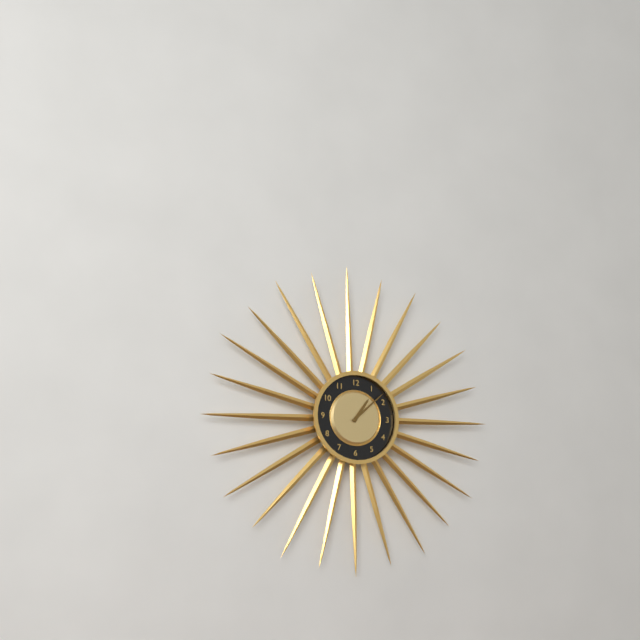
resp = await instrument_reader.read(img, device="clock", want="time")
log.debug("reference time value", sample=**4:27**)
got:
**1:08**
